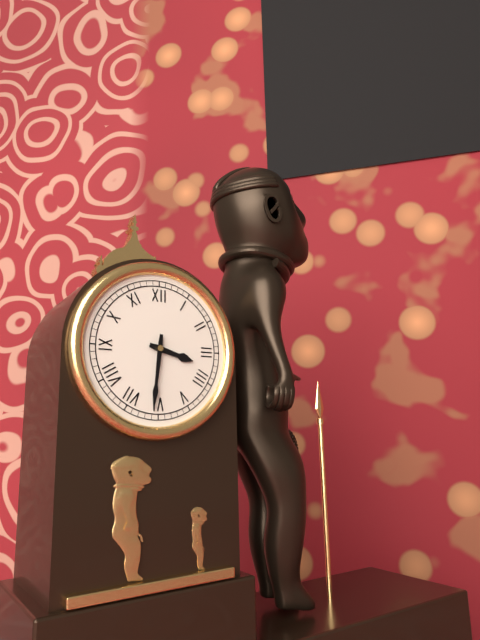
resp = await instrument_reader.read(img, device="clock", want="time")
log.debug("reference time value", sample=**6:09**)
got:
**3:31**
